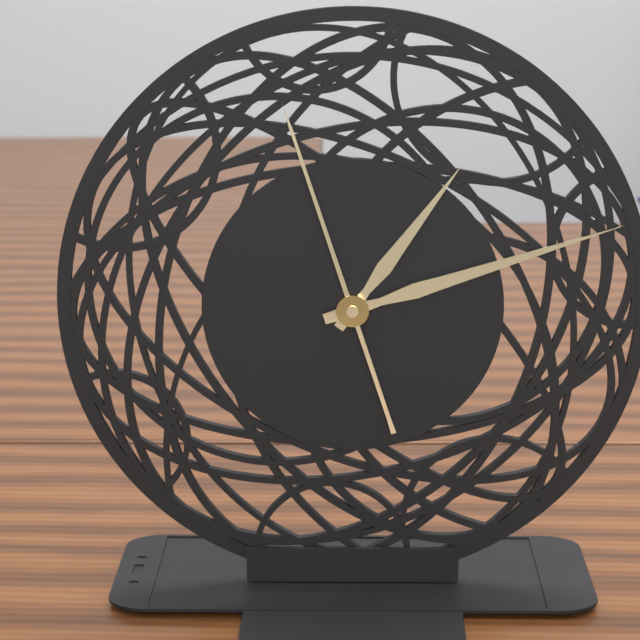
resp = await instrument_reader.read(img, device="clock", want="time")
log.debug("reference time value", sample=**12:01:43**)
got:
**1:12:57**
